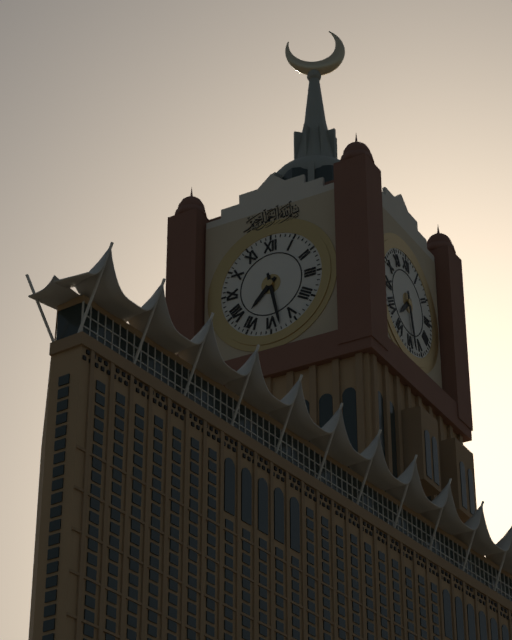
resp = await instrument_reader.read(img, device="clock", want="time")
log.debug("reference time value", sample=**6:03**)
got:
**7:28**
